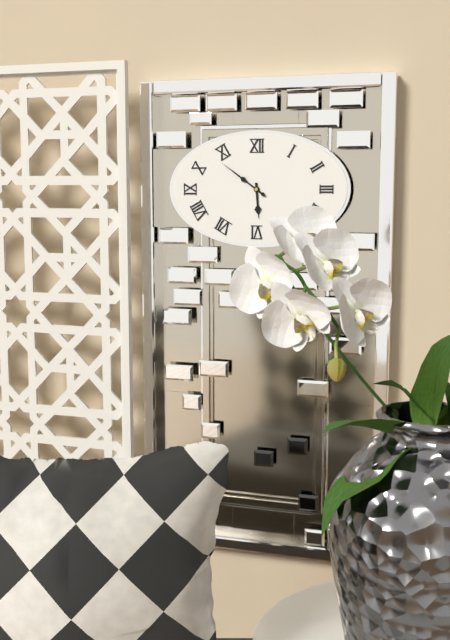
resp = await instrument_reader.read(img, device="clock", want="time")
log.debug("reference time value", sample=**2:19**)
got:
**5:51**
